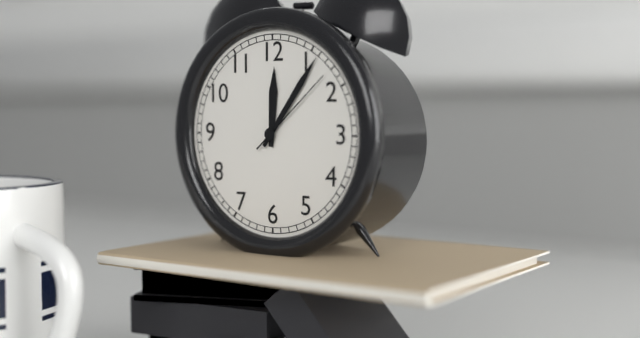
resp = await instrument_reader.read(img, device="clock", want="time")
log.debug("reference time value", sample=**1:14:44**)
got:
**12:06:08**
